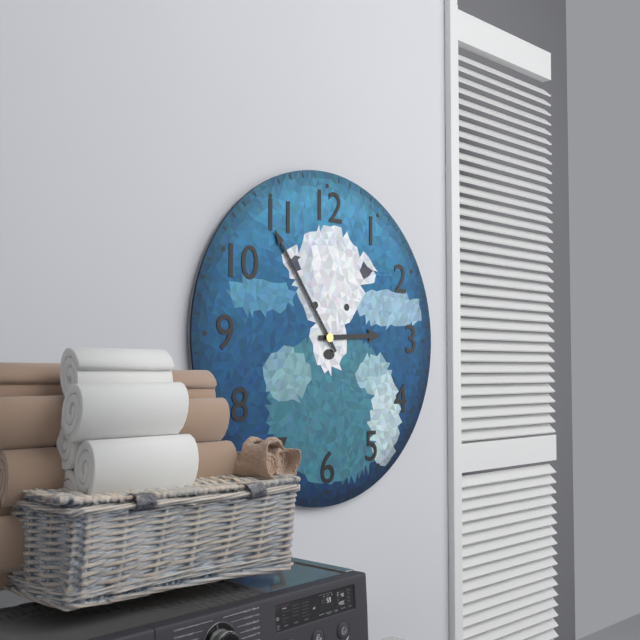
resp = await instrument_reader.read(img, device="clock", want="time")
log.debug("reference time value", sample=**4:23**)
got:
**2:54**
